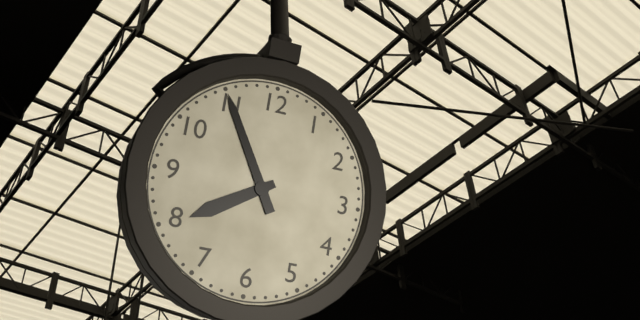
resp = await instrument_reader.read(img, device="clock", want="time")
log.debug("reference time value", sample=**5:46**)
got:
**7:55**
